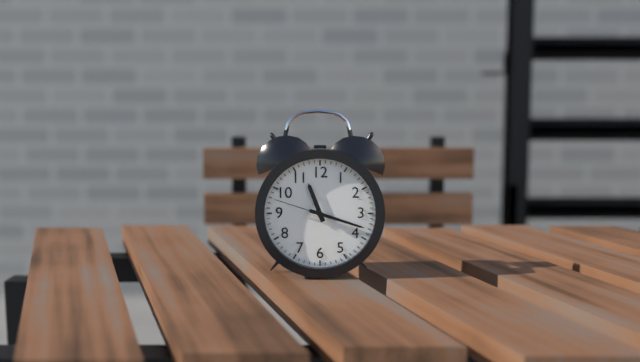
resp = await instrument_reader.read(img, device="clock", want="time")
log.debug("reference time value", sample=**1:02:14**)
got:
**11:18:48**
